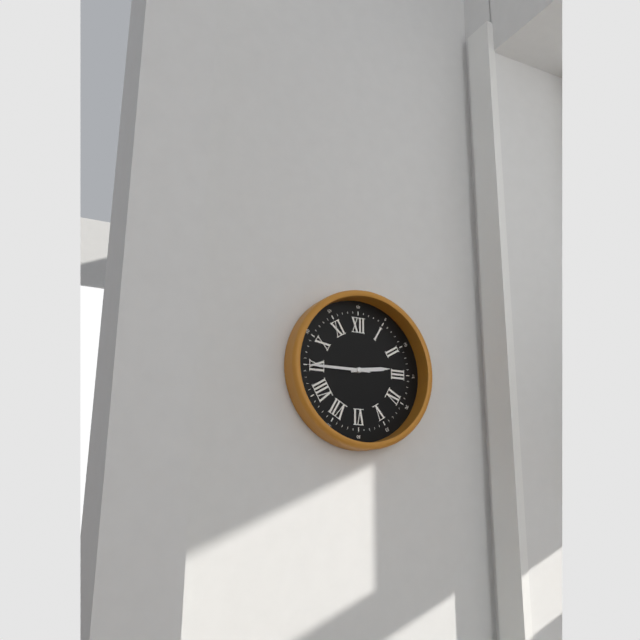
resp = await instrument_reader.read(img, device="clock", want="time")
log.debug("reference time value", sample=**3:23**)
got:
**2:45**
